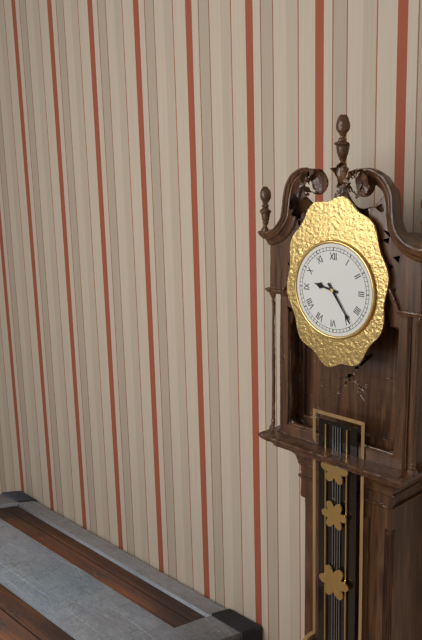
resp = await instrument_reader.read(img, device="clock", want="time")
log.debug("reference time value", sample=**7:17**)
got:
**9:24**
